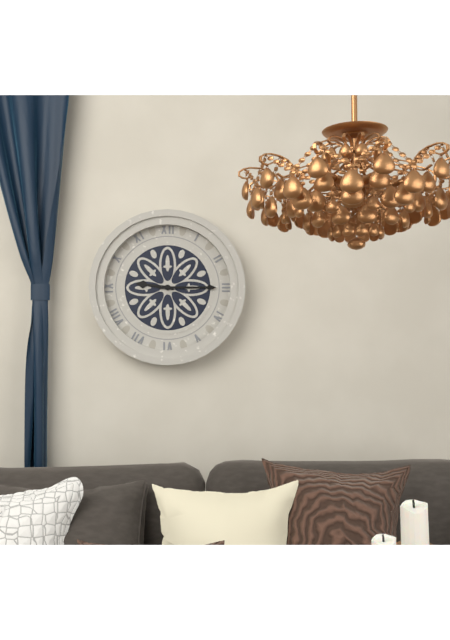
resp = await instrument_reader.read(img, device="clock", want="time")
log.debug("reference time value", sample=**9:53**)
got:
**9:15**
